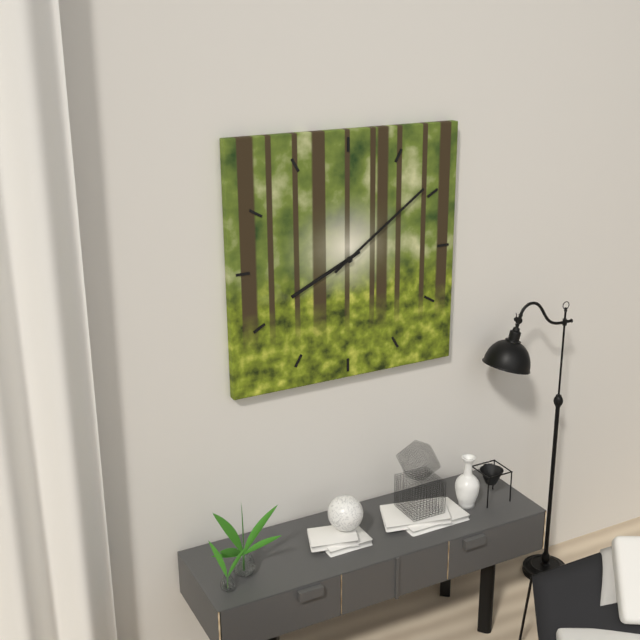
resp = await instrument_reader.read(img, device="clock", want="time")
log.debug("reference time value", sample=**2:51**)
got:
**8:09**
